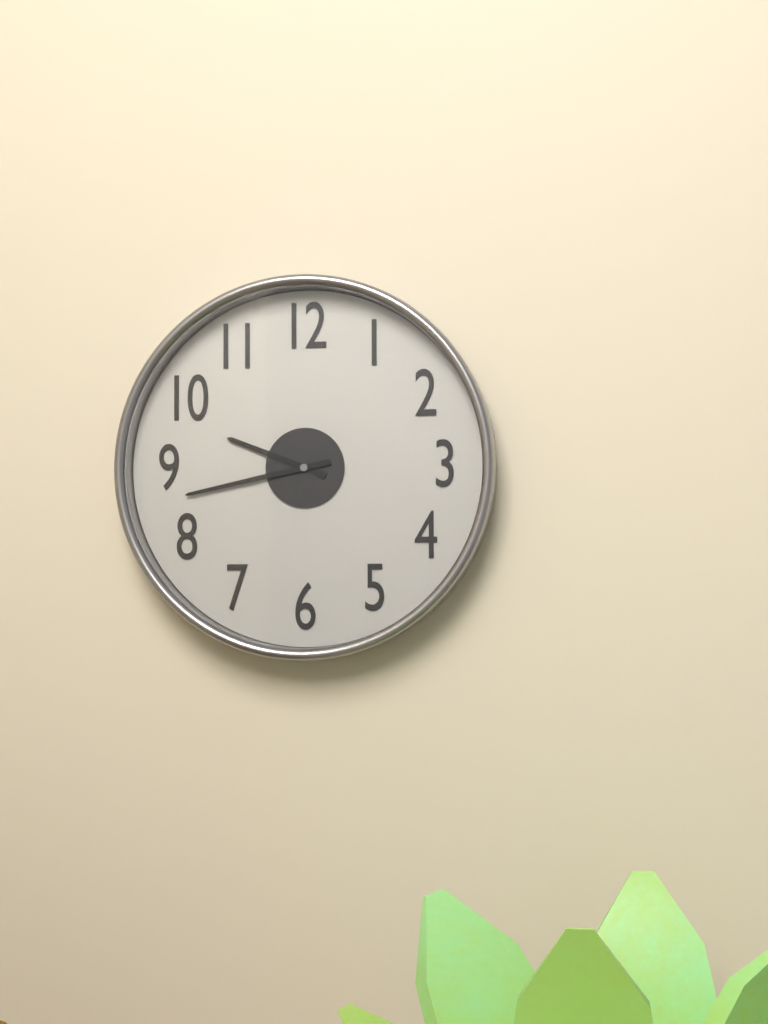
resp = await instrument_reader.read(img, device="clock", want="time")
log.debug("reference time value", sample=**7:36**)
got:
**9:43**
